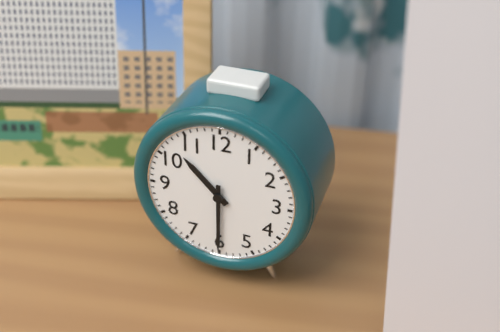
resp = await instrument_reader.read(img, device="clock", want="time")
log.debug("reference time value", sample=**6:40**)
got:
**10:30**
